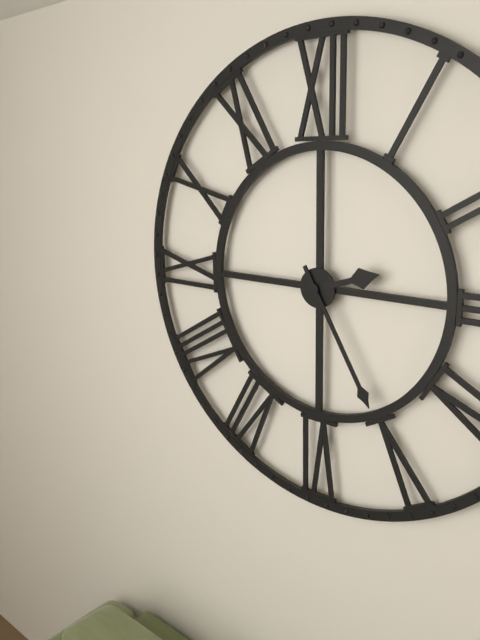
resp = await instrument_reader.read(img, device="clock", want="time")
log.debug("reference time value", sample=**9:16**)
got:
**2:25**
